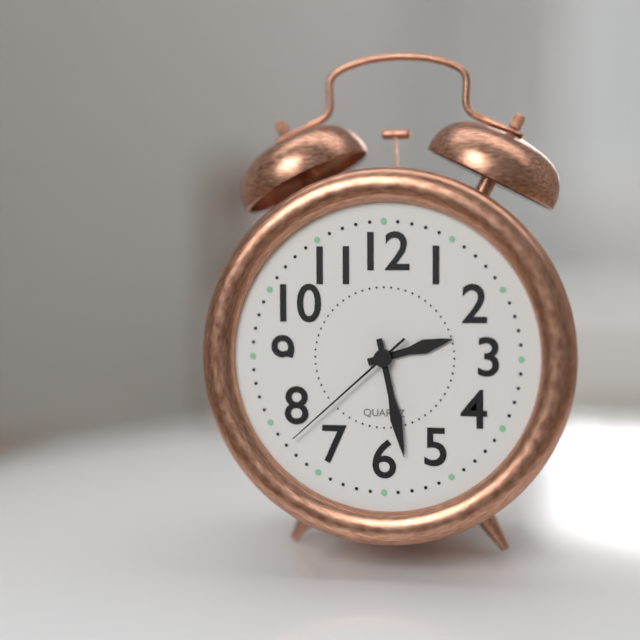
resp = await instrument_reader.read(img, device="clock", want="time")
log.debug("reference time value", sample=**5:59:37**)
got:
**2:28:38**
